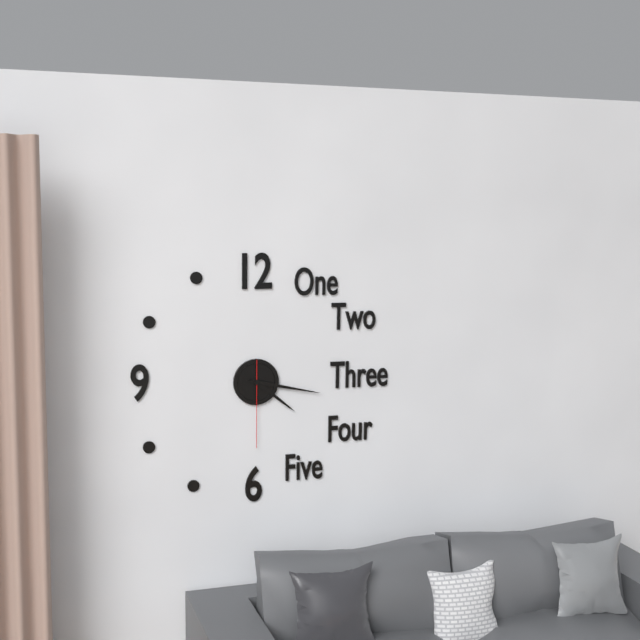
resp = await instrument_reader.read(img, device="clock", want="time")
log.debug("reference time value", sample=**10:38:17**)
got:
**4:17:30**
